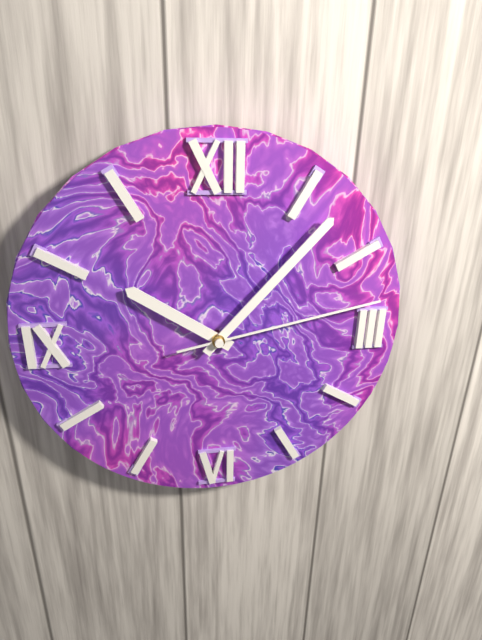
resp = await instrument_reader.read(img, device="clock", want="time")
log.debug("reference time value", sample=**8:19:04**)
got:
**10:07:13**
